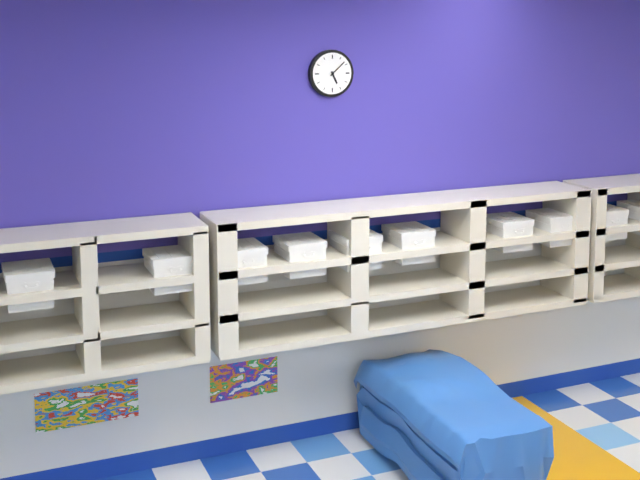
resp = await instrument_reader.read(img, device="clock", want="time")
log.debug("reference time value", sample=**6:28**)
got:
**5:08**
